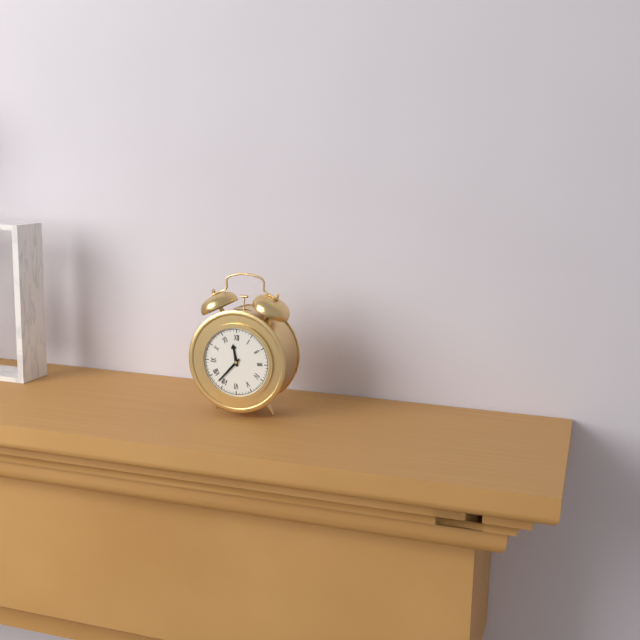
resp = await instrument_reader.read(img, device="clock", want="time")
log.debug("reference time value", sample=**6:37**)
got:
**11:37**
